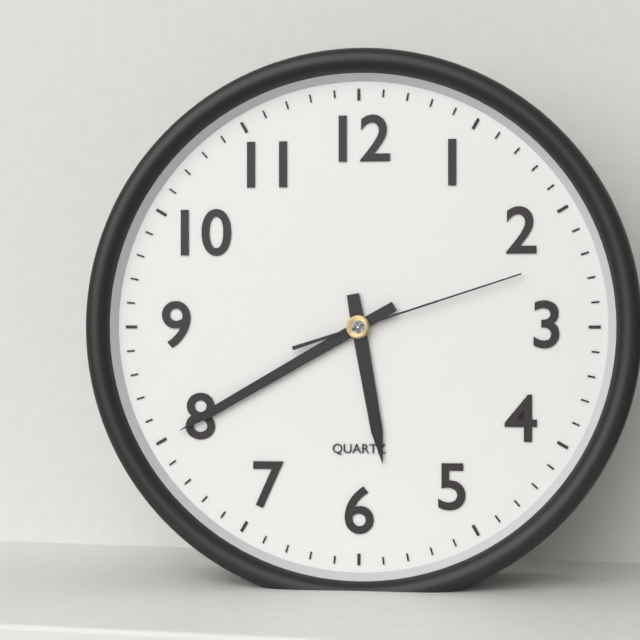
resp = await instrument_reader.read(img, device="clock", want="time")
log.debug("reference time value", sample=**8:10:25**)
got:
**5:40:12**
